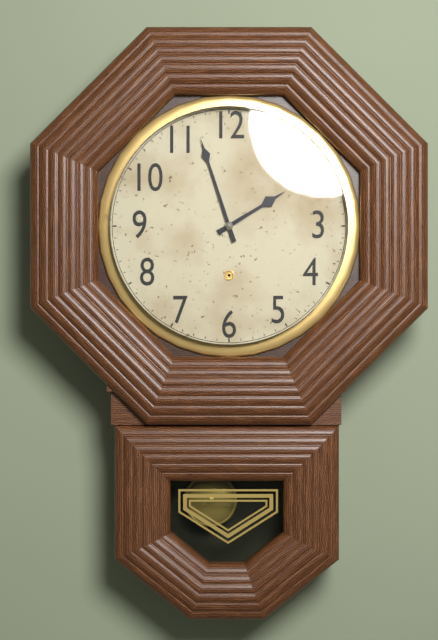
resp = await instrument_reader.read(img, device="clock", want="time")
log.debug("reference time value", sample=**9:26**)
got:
**1:57**
